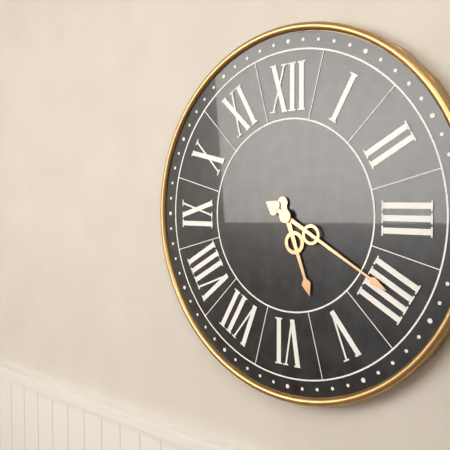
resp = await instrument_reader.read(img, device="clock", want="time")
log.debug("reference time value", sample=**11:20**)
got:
**5:20**
